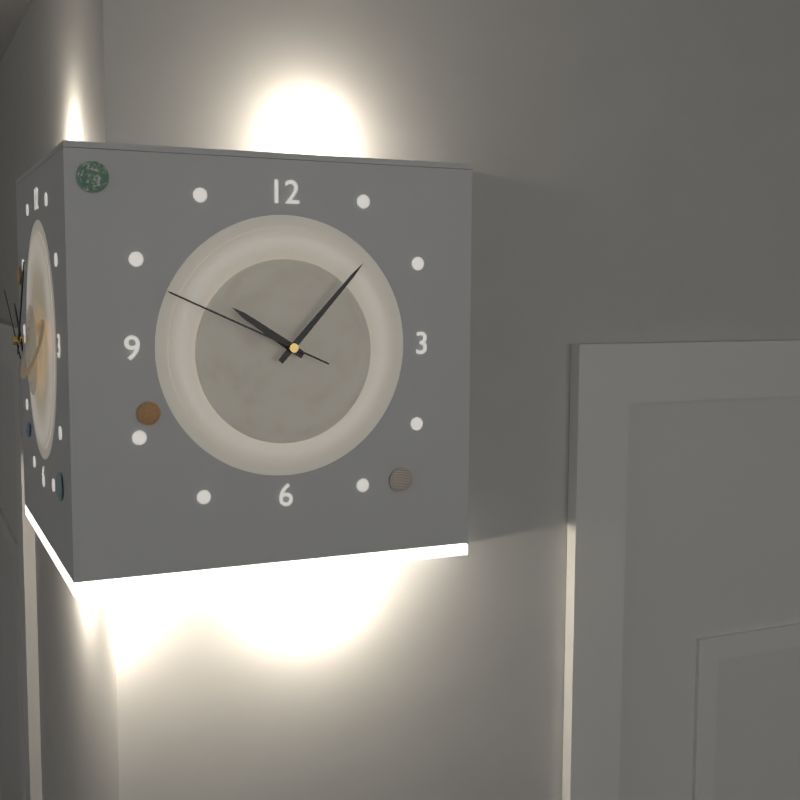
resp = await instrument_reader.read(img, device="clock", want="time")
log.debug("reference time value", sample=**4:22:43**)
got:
**10:07:49**
